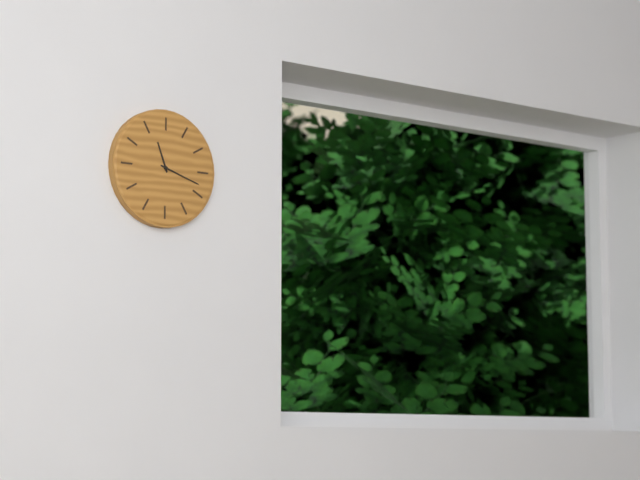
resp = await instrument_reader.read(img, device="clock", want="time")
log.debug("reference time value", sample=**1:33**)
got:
**11:18**
